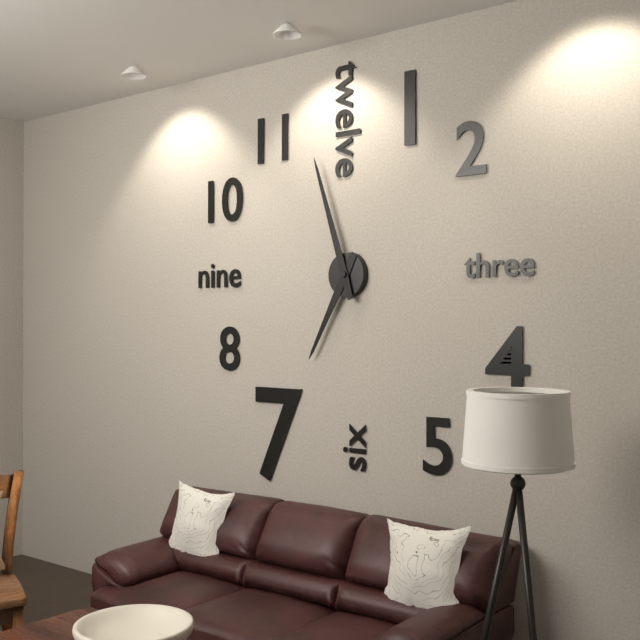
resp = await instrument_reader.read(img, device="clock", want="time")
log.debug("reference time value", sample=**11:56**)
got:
**6:57**
